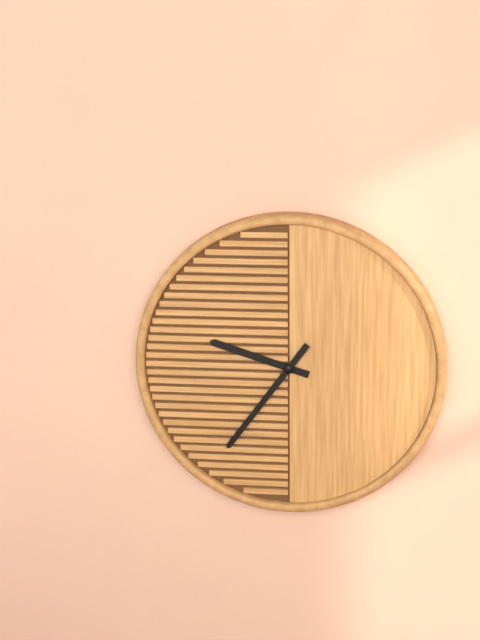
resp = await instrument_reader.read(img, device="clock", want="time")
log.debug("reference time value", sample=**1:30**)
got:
**9:36**
